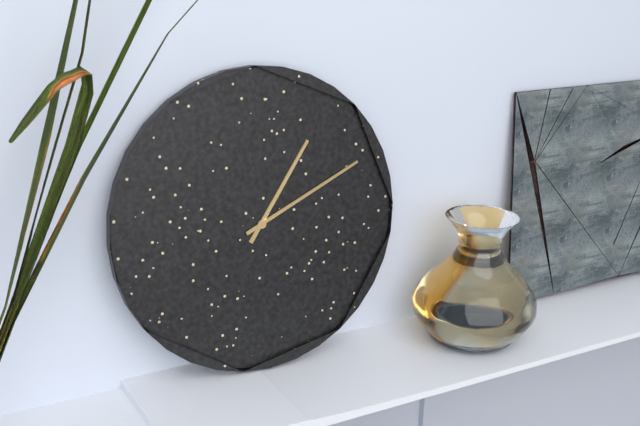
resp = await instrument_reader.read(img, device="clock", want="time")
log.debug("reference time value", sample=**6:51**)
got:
**1:11**
